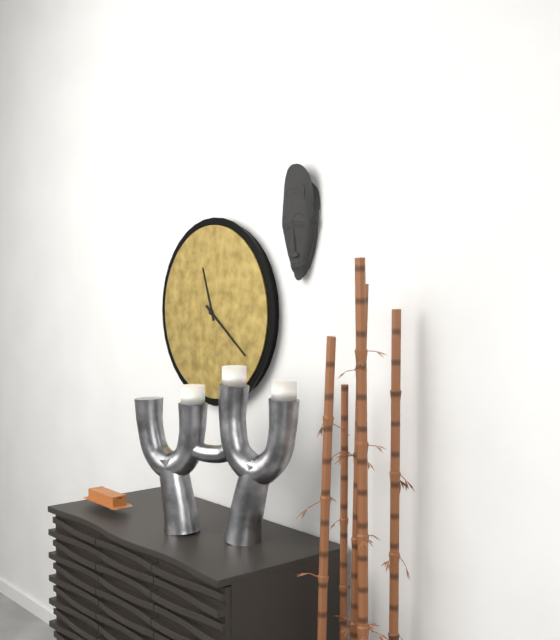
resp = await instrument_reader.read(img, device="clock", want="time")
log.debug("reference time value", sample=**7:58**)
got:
**11:21**
